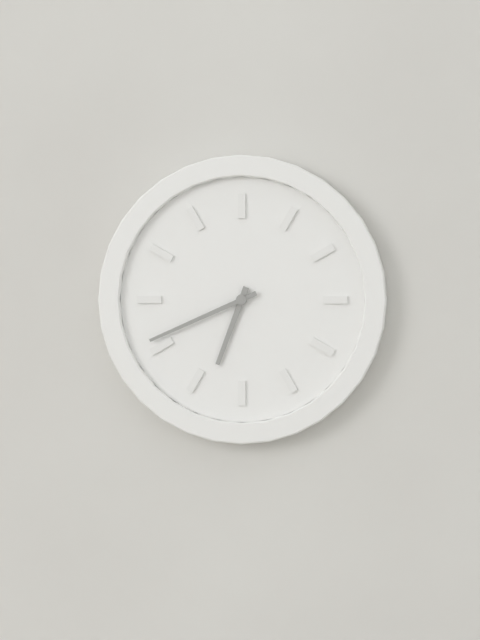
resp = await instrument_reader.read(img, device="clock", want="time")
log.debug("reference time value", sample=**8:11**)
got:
**6:41**
